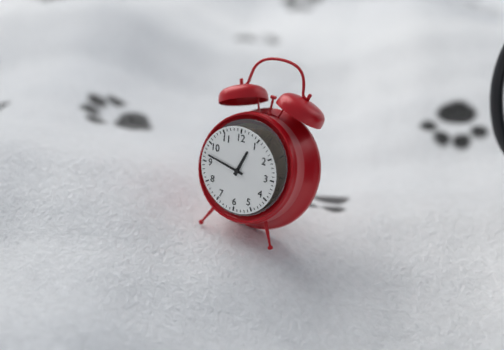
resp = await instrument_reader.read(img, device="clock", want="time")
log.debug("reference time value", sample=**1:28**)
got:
**12:47**
